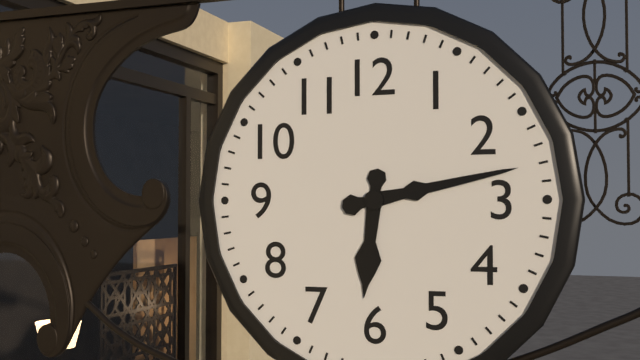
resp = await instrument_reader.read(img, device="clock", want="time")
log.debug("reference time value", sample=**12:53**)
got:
**6:13**
